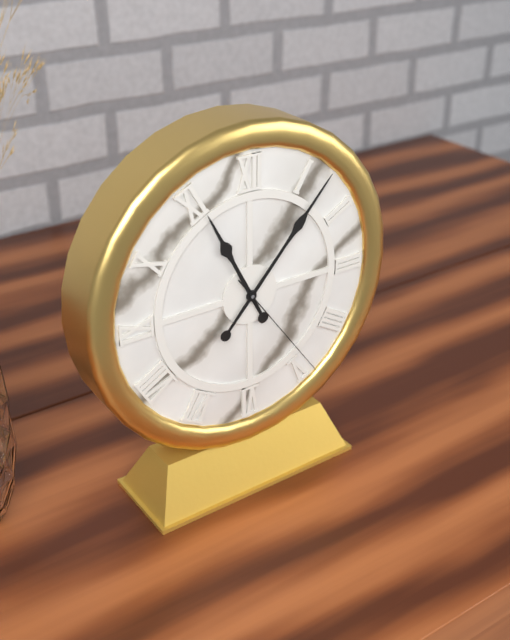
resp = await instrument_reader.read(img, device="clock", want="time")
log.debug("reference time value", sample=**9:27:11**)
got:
**11:07:24**
